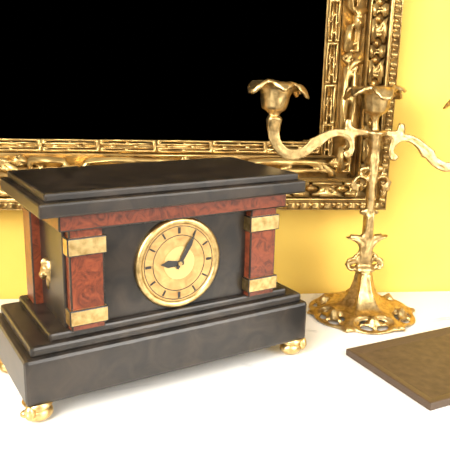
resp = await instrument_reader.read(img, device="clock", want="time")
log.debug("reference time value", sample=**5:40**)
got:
**9:05**
